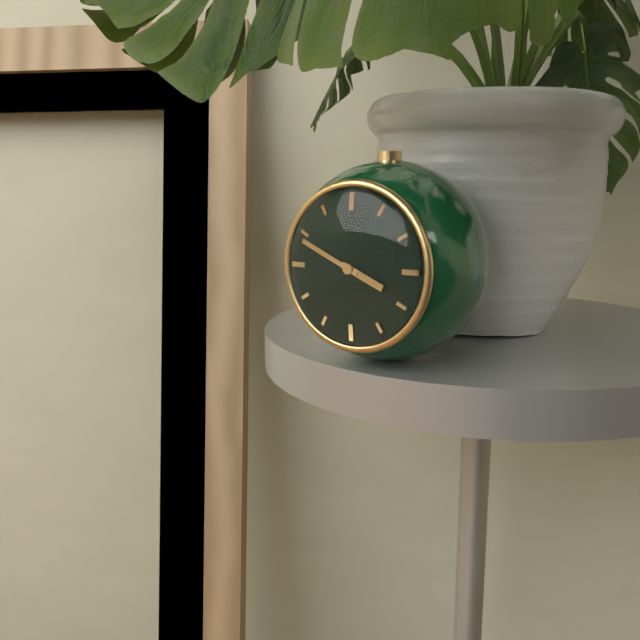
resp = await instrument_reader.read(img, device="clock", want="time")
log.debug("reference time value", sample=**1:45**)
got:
**3:49**
